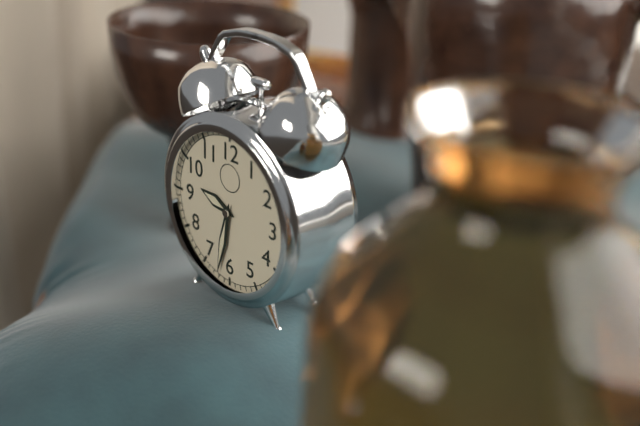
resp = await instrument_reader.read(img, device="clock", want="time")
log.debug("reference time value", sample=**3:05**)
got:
**9:32**
